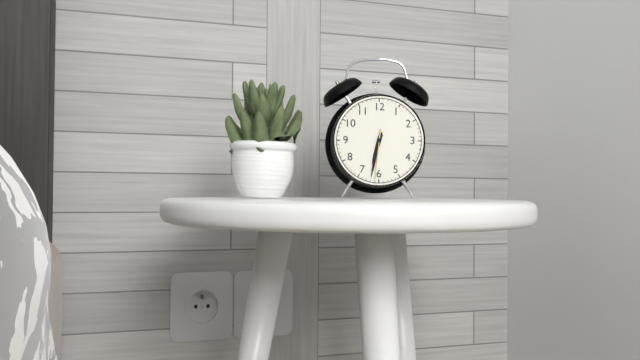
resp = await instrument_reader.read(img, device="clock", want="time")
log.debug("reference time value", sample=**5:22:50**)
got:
**6:32:31**
